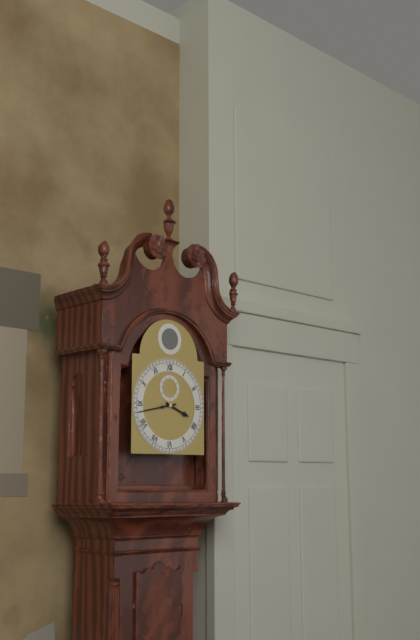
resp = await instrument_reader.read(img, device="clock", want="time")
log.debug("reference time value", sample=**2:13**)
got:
**3:43**
